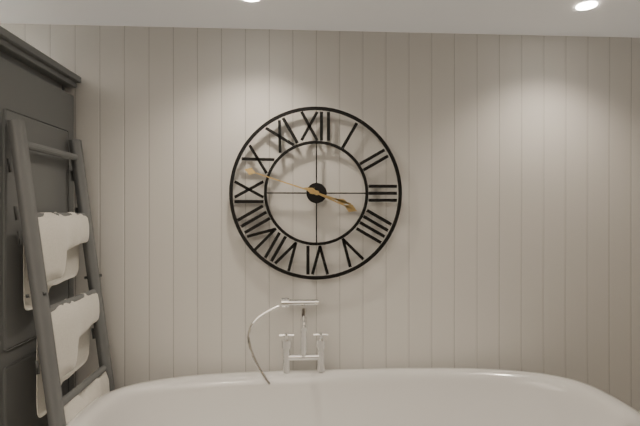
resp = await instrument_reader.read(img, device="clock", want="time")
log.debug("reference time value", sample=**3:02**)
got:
**3:48**
